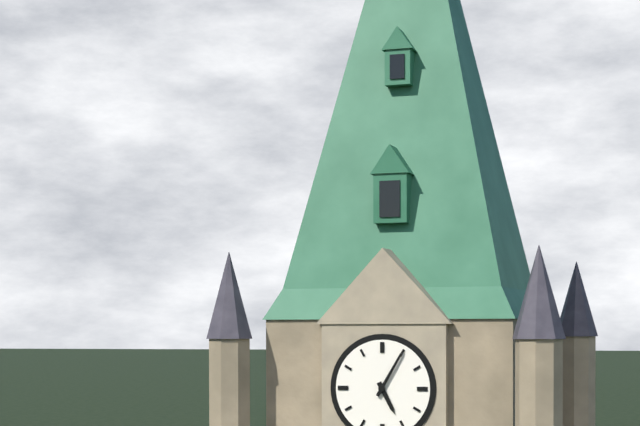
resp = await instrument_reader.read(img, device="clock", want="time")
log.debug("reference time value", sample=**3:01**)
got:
**5:05**
